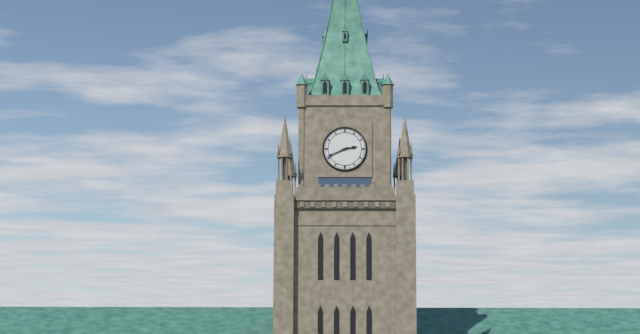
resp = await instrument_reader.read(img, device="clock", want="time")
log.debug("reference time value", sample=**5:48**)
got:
**2:41**
